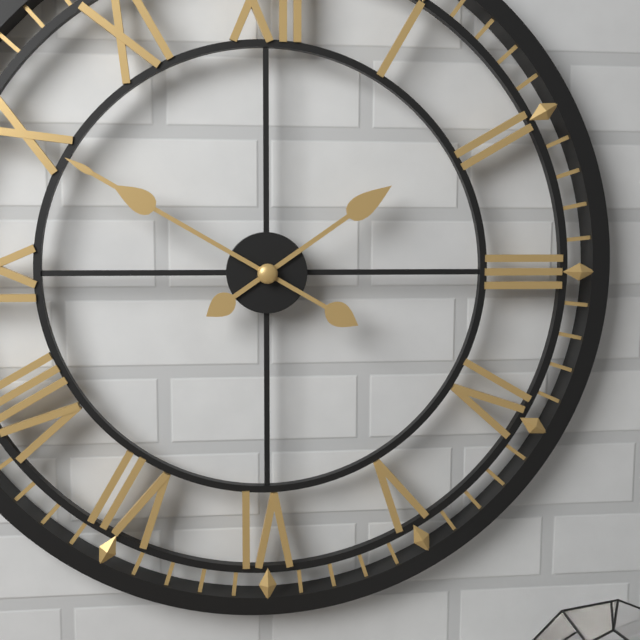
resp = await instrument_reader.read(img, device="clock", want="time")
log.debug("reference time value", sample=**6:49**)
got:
**1:50**
